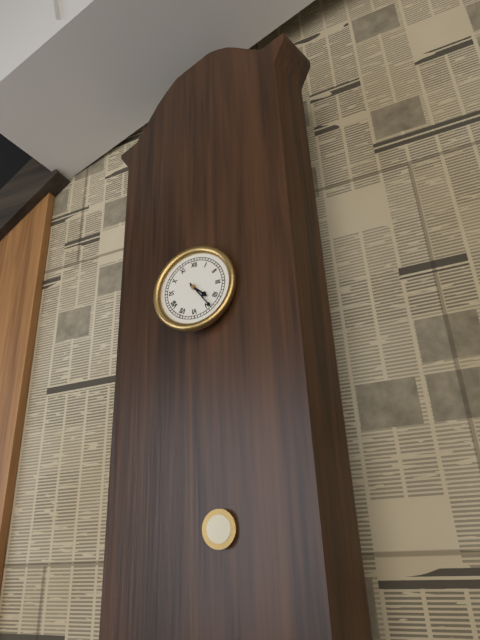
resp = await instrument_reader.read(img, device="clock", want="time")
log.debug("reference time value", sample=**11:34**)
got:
**4:24**
